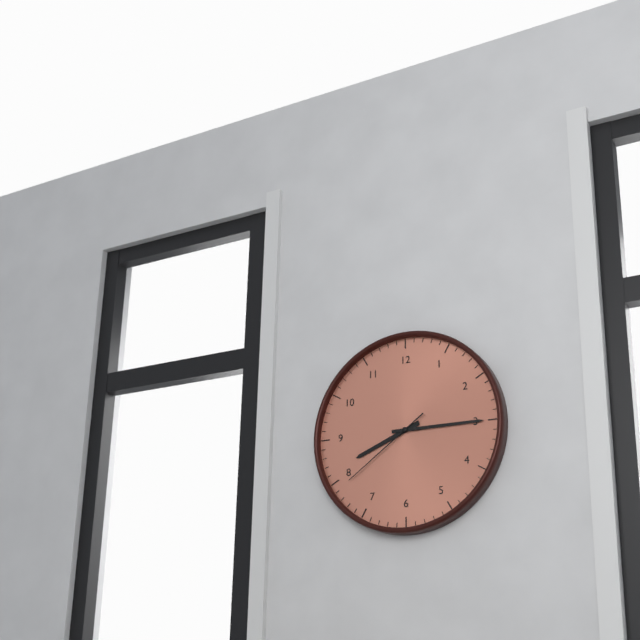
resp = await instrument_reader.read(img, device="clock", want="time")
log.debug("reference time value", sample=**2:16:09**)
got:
**8:15:39**
